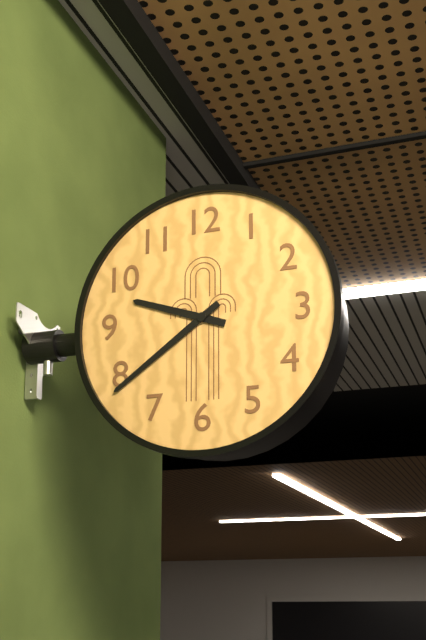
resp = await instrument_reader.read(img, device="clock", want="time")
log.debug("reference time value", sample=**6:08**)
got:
**9:39**
